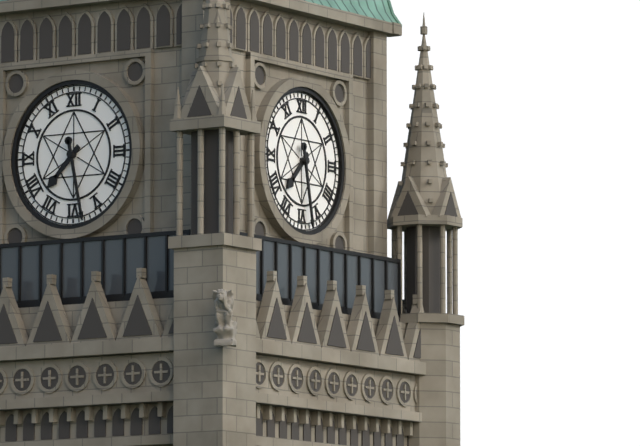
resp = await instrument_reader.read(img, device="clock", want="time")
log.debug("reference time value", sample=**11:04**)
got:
**7:28**
